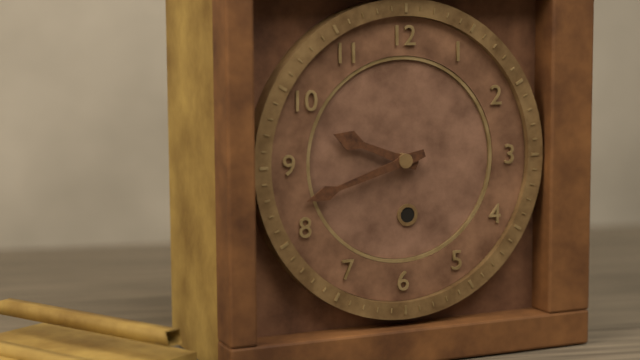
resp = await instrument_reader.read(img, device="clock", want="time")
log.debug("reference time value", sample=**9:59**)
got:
**9:42**
